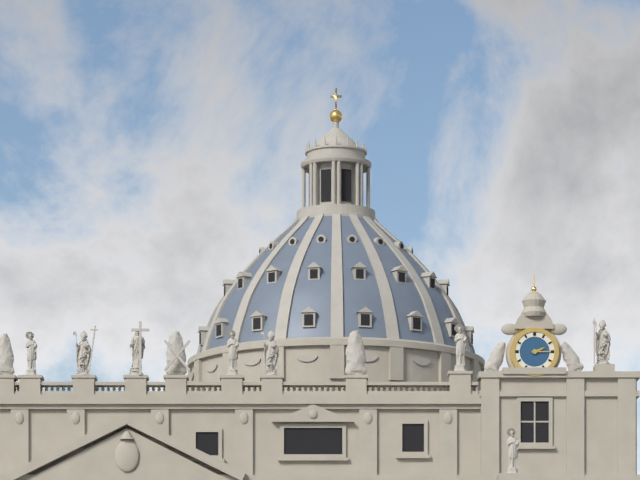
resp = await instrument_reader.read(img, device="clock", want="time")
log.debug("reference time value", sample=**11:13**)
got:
**2:15**
